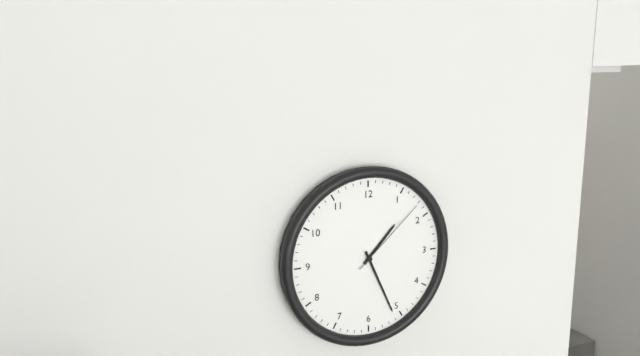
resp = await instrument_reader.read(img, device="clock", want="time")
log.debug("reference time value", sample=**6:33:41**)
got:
**1:26:08**
